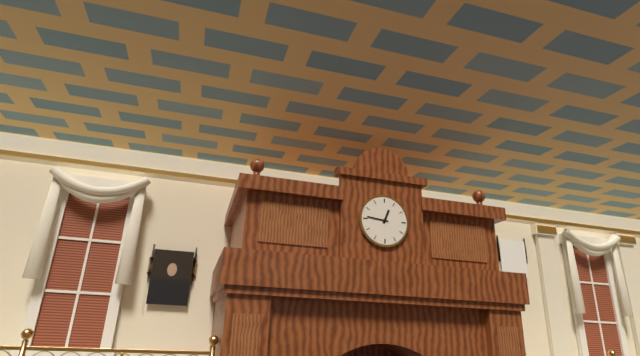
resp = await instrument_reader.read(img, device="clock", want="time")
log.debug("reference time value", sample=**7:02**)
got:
**12:46**
